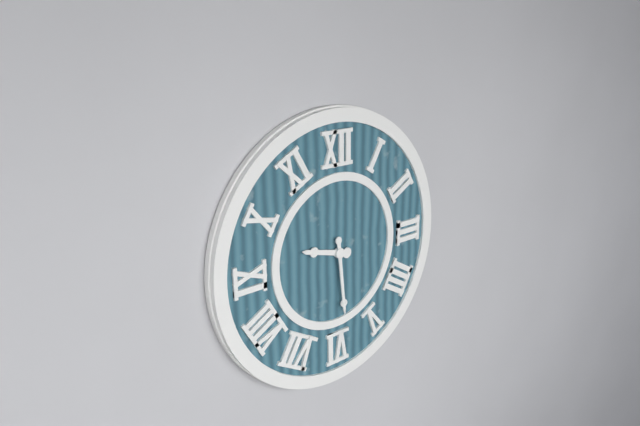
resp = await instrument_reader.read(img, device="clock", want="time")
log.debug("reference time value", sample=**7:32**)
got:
**9:29**
